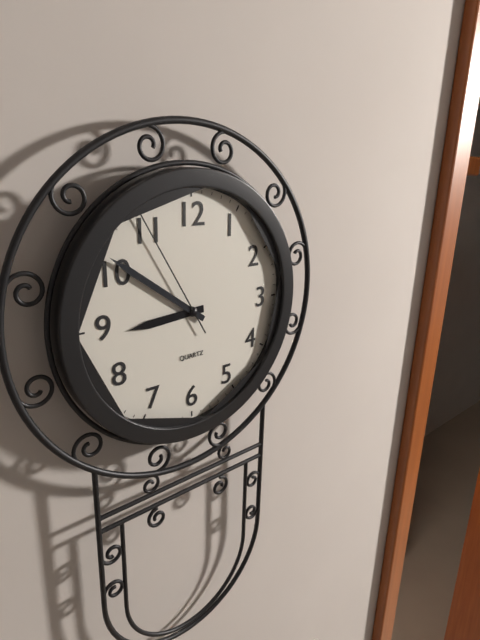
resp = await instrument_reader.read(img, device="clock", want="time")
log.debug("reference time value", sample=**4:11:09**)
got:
**8:51:55**
